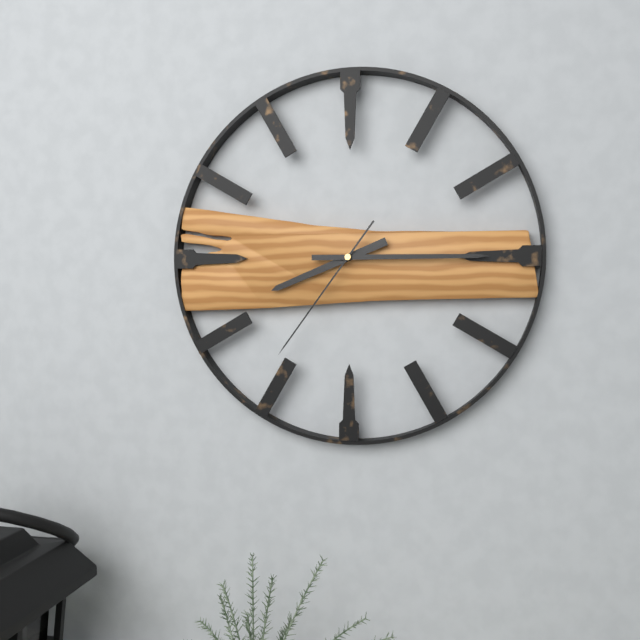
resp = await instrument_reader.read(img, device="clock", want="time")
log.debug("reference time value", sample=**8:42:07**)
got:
**8:15:36**
